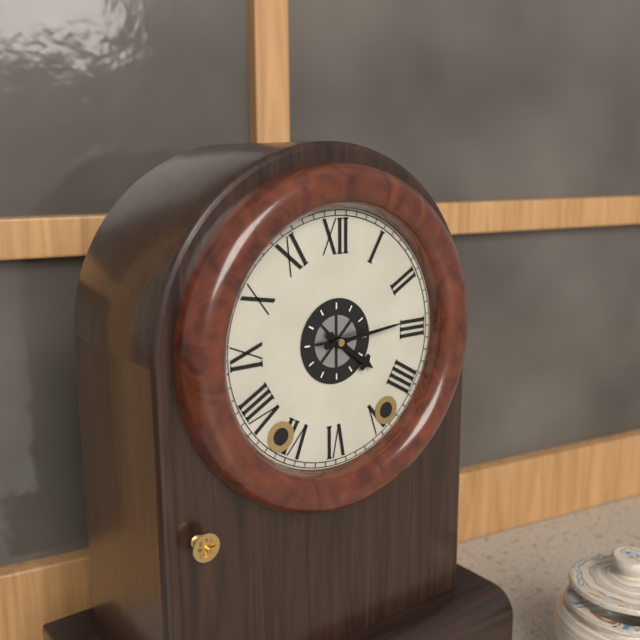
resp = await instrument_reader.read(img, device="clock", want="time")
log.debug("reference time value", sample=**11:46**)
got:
**4:14**
